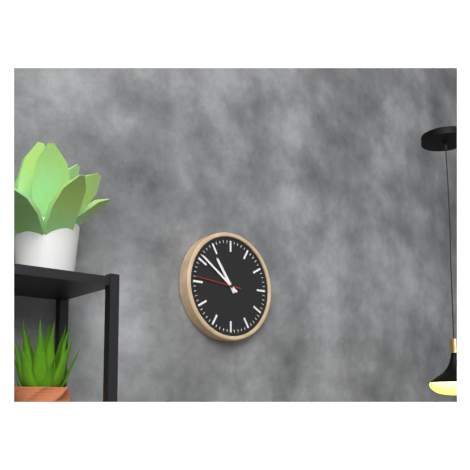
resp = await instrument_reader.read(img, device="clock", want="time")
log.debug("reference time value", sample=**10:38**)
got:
**10:51**
